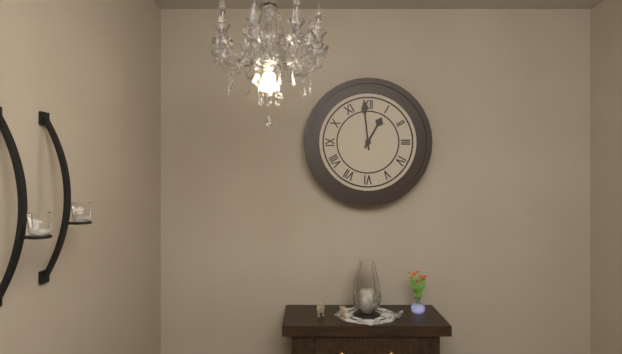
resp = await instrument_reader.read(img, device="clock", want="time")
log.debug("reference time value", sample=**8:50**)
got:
**12:59**
